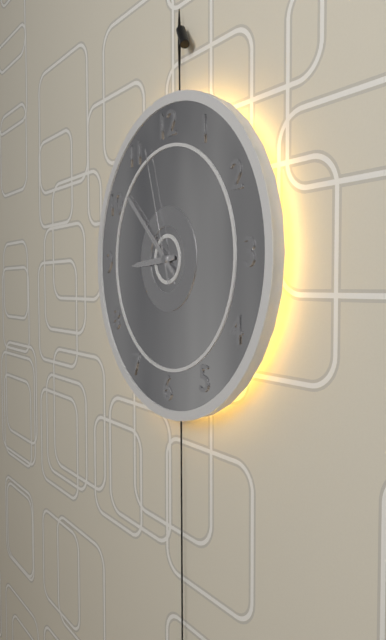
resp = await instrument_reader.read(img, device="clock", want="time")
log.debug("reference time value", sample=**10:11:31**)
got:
**8:52:57**
